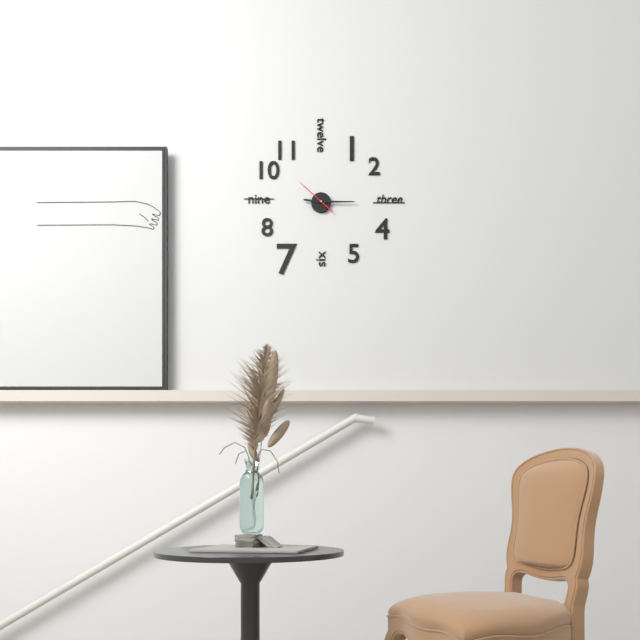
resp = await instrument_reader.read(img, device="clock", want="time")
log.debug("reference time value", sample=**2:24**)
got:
**9:15**
